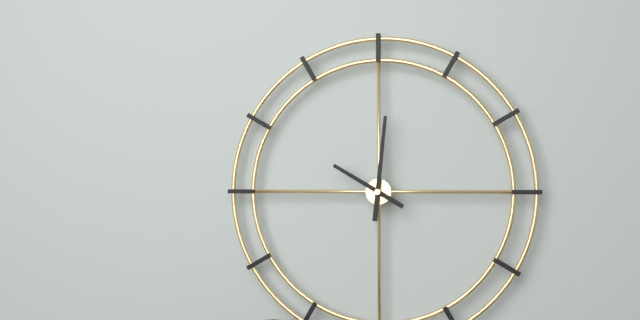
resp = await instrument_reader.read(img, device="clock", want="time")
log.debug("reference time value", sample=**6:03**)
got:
**10:01**
